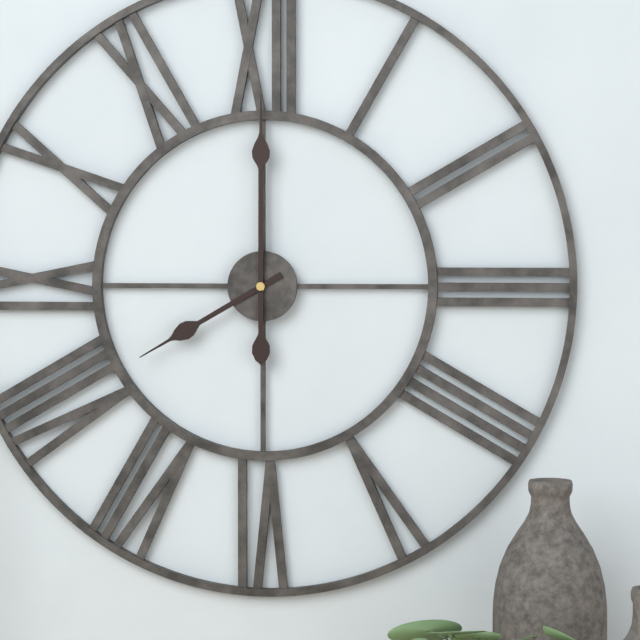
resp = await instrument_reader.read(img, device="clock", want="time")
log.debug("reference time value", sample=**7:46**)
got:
**8:00**
